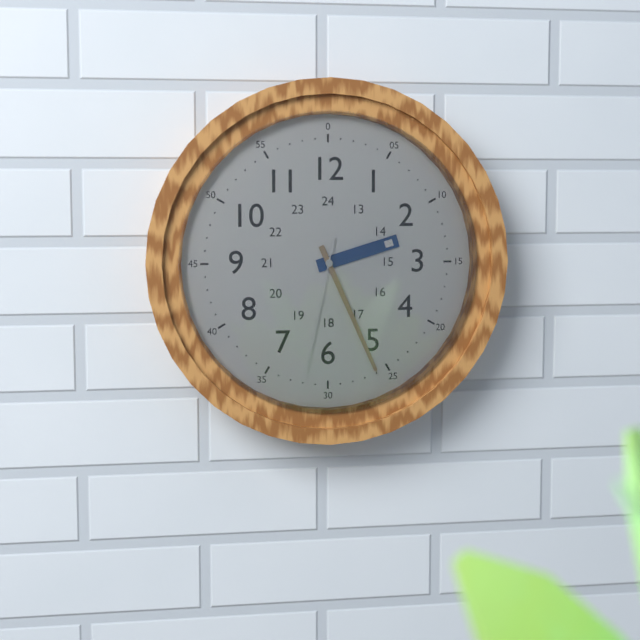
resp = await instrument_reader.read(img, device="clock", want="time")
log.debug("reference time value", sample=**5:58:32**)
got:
**2:26:32**
